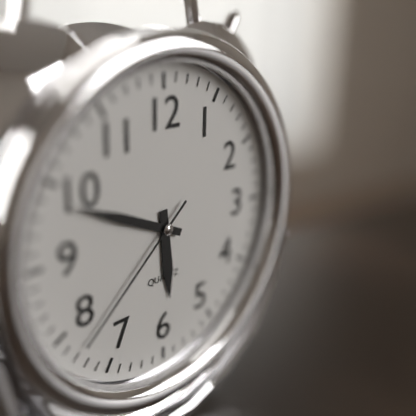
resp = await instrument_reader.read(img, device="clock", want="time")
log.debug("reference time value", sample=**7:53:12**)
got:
**5:49:38**
